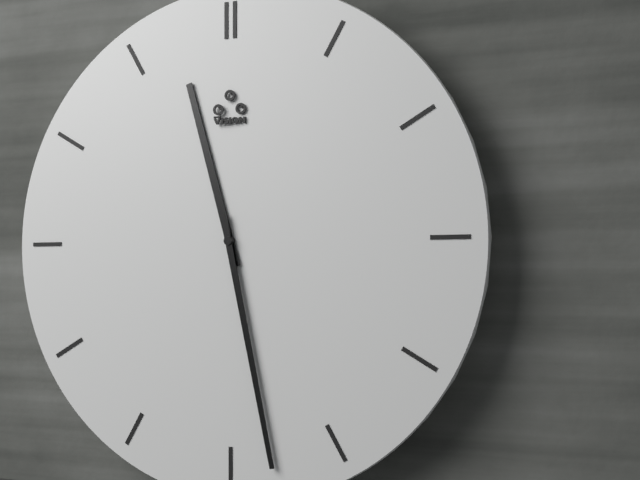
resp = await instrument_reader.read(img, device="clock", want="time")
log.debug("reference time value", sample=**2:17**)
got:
**11:28**
